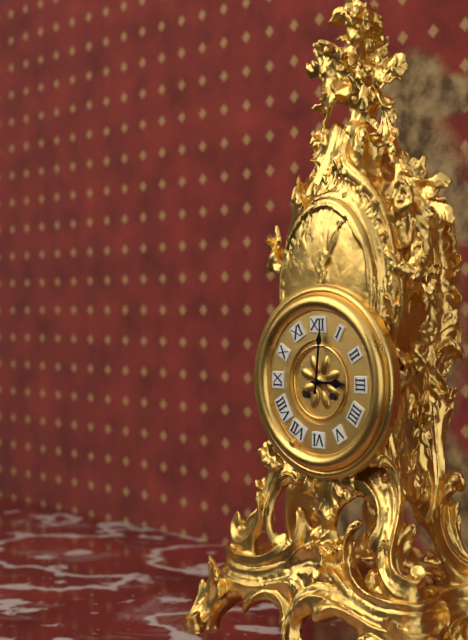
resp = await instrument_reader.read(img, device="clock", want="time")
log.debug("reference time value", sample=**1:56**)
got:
**3:01**
